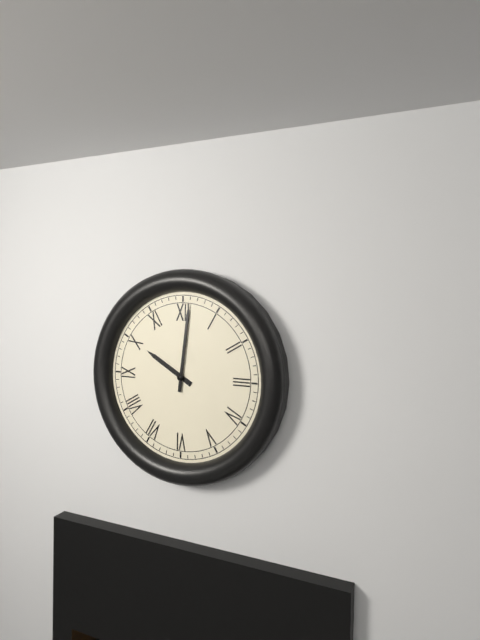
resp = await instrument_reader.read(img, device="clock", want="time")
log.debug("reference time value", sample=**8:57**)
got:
**10:01**
